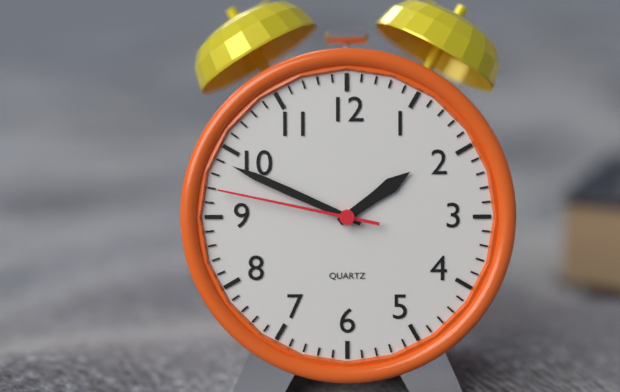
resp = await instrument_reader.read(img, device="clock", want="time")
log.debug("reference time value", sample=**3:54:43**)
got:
**1:49:47**
